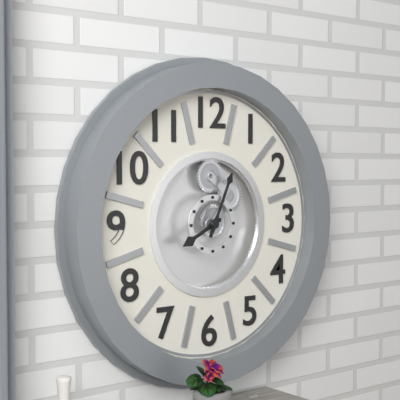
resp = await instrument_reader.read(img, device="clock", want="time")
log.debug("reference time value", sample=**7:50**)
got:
**8:04**
